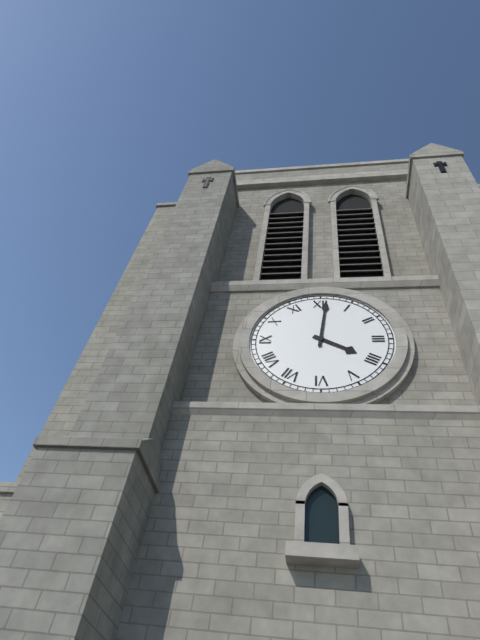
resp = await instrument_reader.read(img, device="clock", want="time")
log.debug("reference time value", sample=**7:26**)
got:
**4:01**
